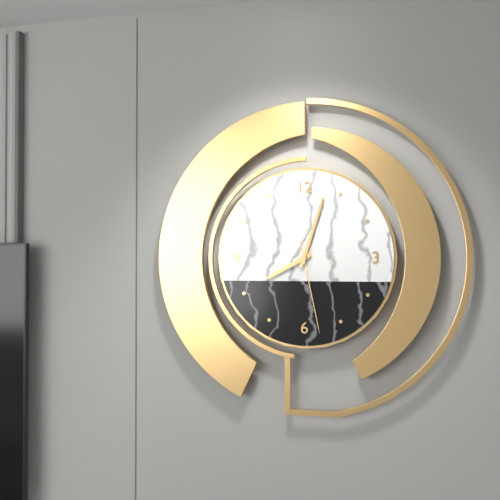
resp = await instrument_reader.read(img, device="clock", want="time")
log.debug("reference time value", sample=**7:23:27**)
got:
**8:03:28**
